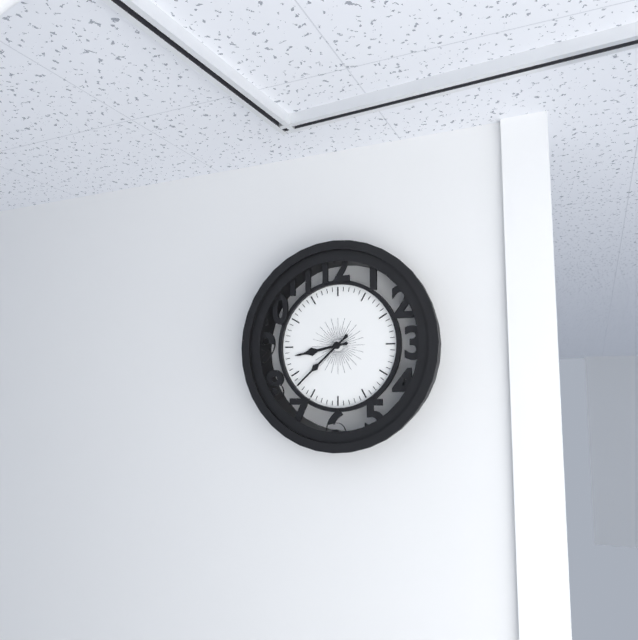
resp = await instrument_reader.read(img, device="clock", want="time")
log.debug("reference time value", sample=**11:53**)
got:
**8:38**
